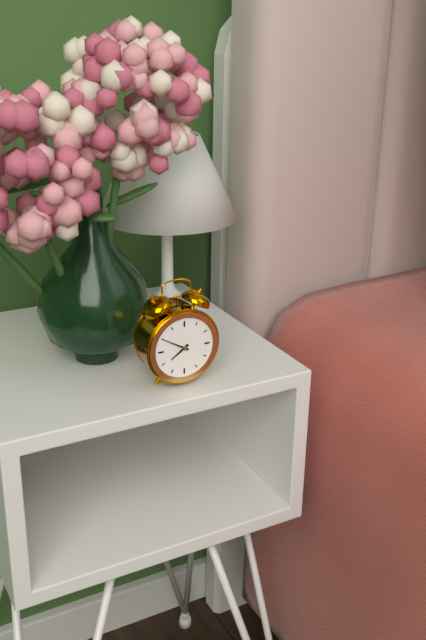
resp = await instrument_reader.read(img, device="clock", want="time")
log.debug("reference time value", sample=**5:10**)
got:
**7:50**
